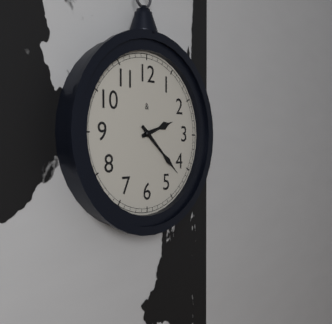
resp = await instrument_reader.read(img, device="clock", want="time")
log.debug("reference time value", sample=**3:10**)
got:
**2:22**
